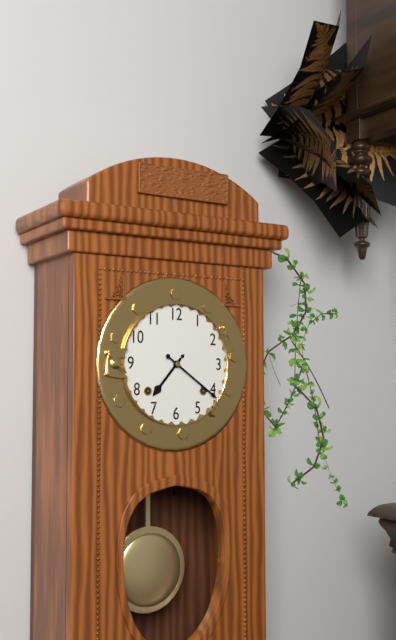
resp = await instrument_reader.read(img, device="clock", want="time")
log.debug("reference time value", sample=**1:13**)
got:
**7:21**
